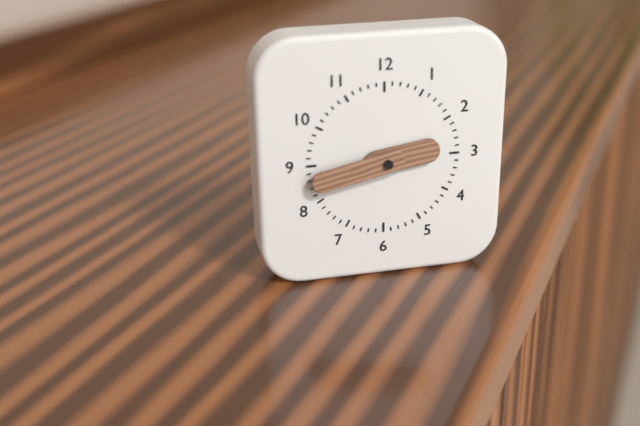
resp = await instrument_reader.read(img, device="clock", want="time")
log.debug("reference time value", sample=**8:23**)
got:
**2:43**
